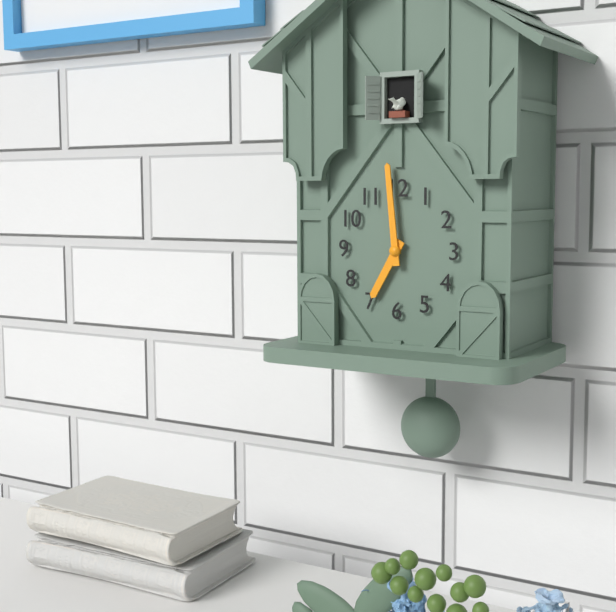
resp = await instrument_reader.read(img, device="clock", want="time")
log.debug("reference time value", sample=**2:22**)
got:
**6:59**
